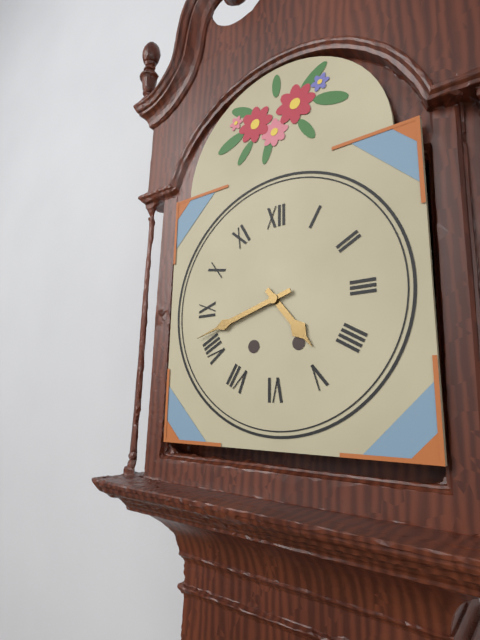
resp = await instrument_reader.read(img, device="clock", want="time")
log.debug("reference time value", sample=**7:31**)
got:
**4:42**
